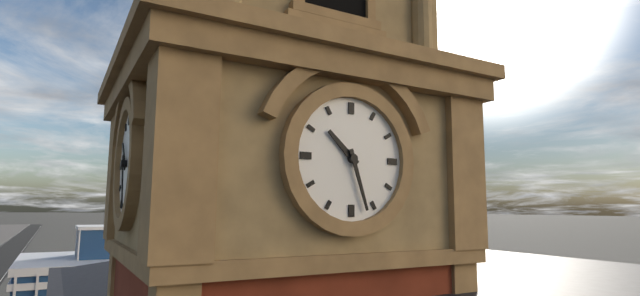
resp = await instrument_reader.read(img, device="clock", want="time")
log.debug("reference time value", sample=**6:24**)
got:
**10:27**
